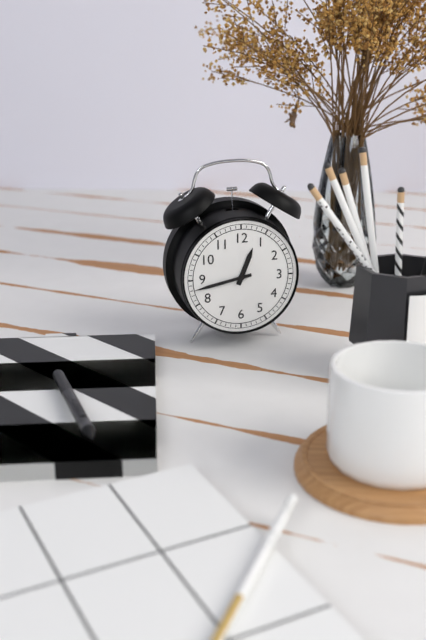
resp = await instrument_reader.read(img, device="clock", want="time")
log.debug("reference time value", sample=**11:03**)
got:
**12:43**
